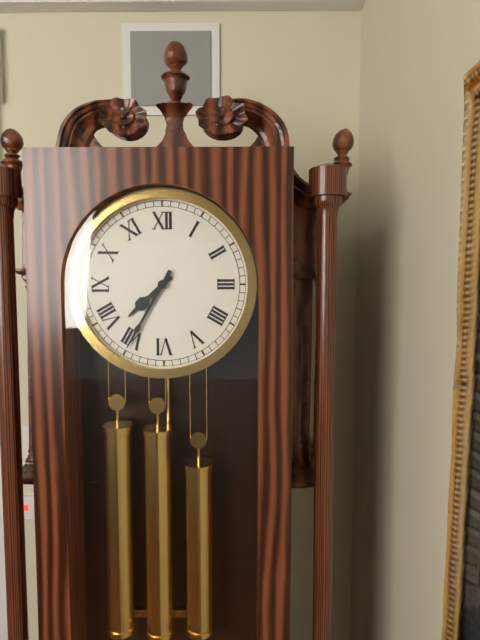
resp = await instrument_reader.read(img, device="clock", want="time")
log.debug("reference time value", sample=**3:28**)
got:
**7:35**
